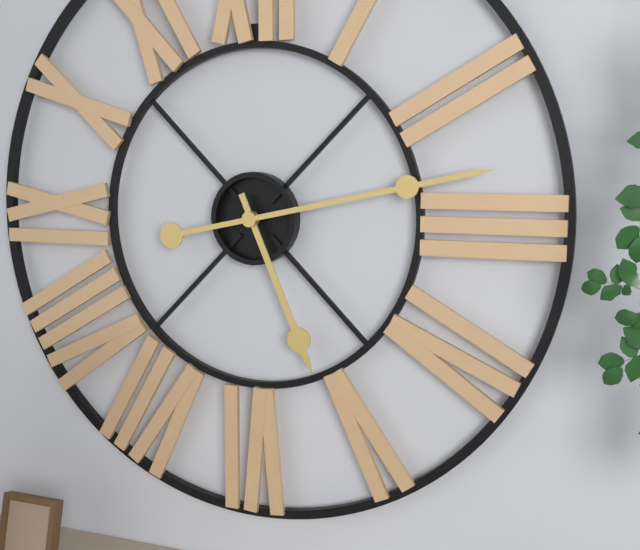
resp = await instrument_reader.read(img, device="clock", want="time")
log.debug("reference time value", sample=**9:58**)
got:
**5:13**
